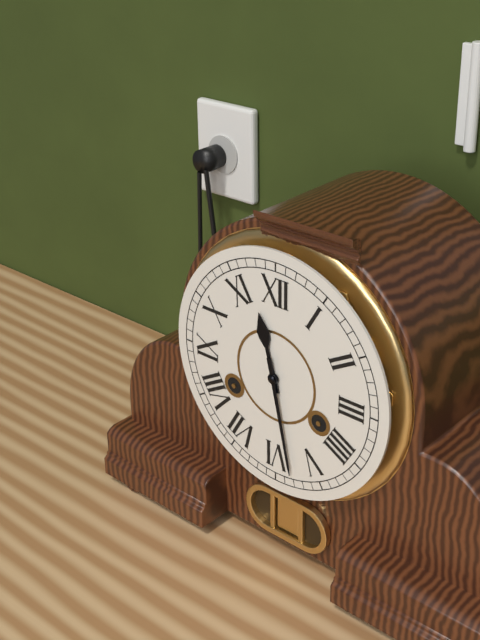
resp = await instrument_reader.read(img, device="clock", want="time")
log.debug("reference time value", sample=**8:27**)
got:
**11:28**
